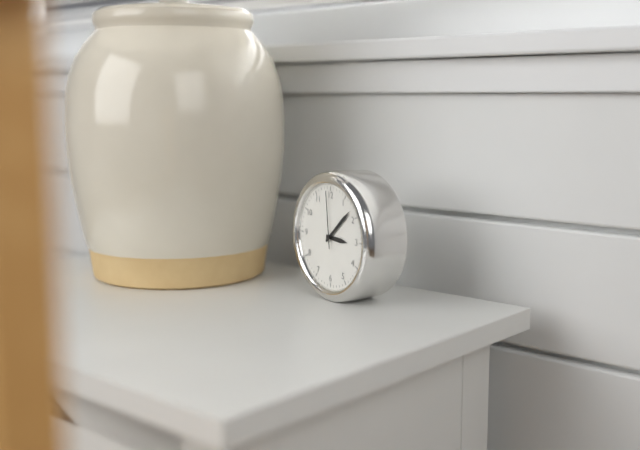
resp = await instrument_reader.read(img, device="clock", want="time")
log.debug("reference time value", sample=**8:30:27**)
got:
**3:08:59**
